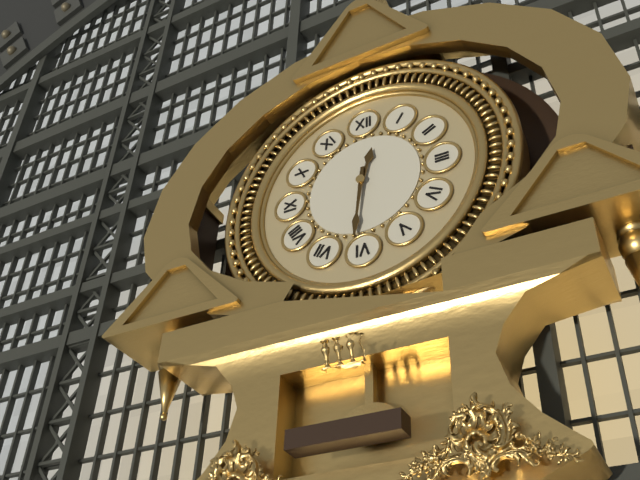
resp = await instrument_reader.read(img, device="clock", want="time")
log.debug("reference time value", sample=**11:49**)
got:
**12:31**
